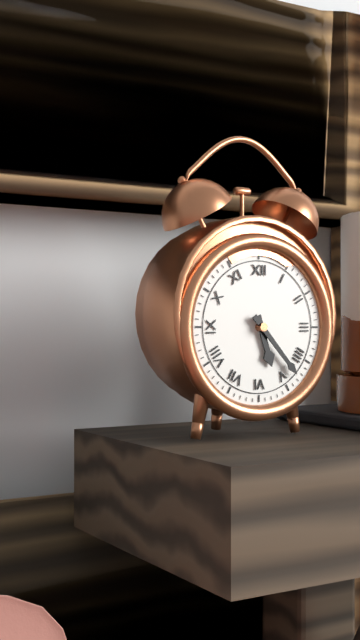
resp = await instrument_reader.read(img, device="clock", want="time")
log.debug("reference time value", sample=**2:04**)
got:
**5:23**
